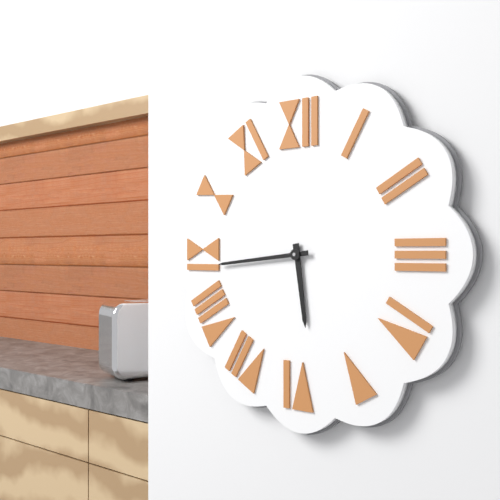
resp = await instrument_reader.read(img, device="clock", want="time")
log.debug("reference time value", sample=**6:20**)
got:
**5:44**
